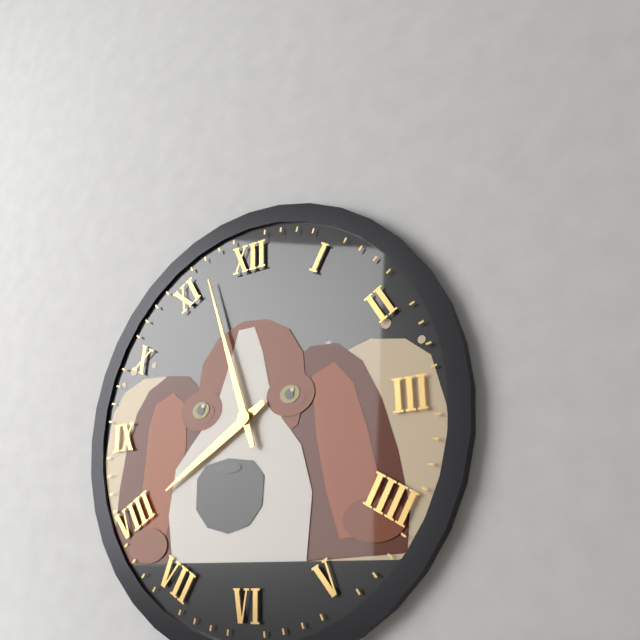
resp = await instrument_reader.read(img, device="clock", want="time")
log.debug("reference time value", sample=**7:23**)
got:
**7:57**
